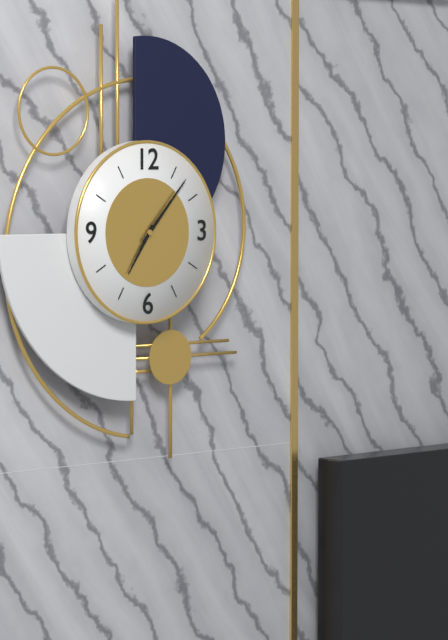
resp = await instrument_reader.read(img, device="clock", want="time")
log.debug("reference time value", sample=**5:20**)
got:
**7:07**
